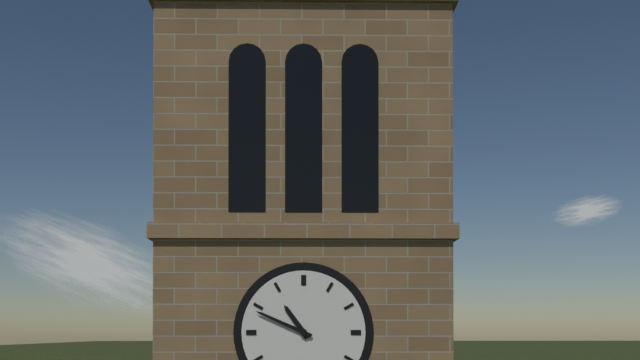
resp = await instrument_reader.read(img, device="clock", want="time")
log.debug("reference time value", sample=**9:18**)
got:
**10:49**
